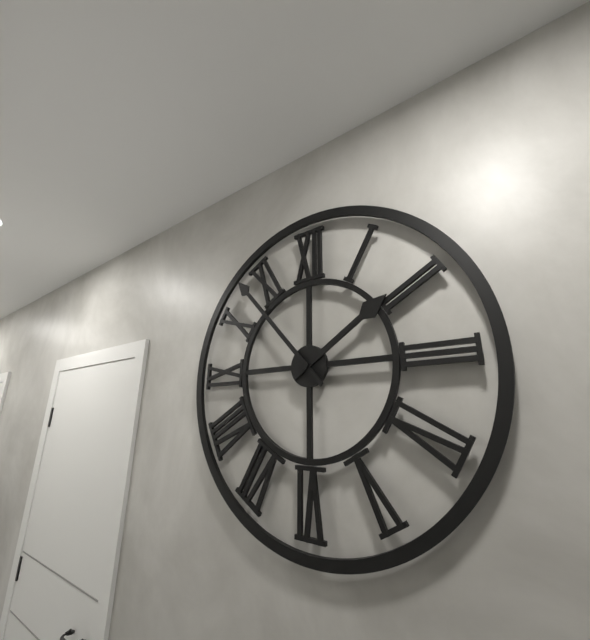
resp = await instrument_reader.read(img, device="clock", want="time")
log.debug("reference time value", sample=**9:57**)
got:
**1:53**
